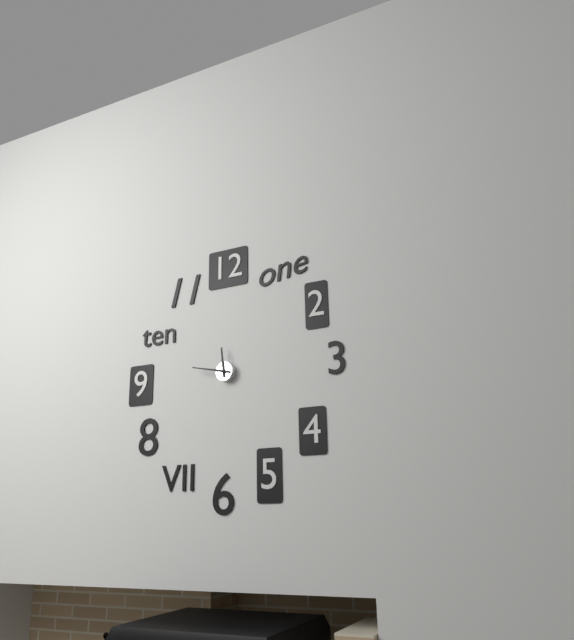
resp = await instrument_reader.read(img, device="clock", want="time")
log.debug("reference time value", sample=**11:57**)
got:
**11:47**
